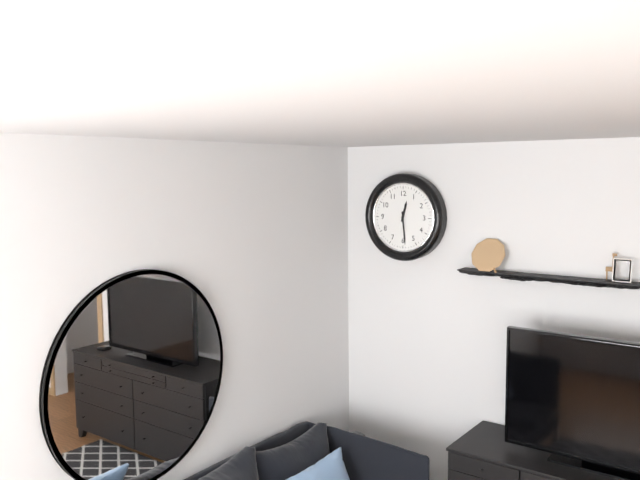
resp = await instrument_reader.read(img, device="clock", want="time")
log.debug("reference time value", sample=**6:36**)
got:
**12:29**
